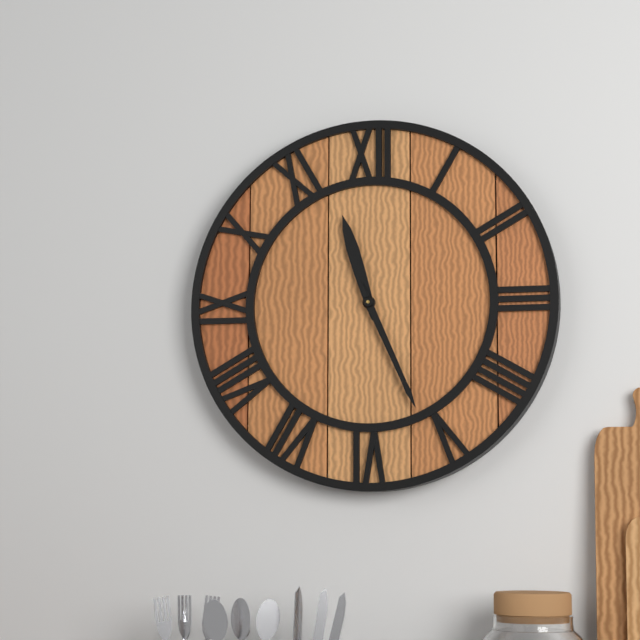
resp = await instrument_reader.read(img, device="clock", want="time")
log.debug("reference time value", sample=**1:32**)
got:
**11:26**
